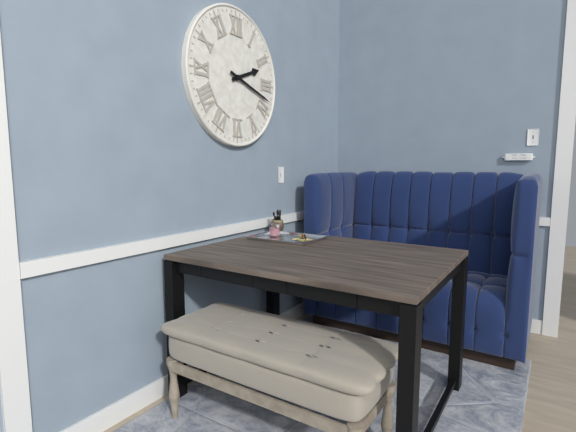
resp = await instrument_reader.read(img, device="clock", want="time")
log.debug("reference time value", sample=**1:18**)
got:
**2:18**
